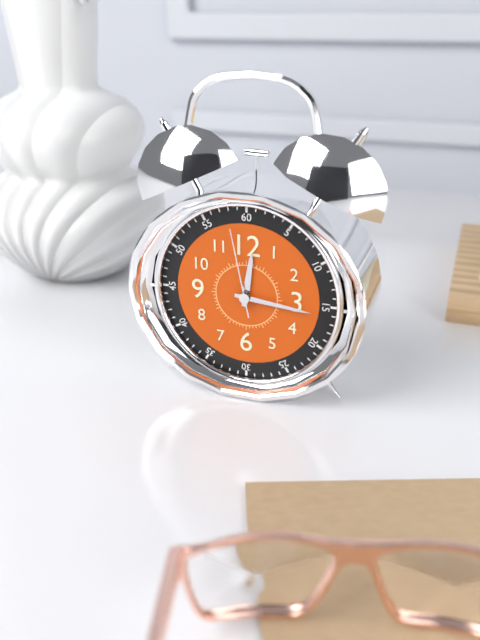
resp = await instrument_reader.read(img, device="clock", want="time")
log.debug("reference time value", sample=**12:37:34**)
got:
**12:16:58**
